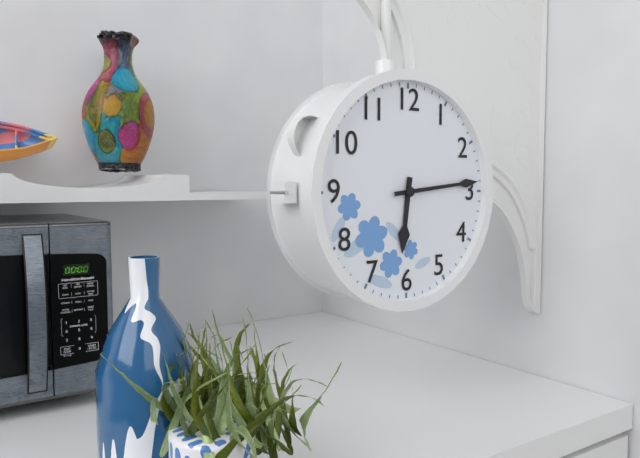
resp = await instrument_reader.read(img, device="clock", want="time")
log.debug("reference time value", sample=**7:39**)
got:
**6:14**
